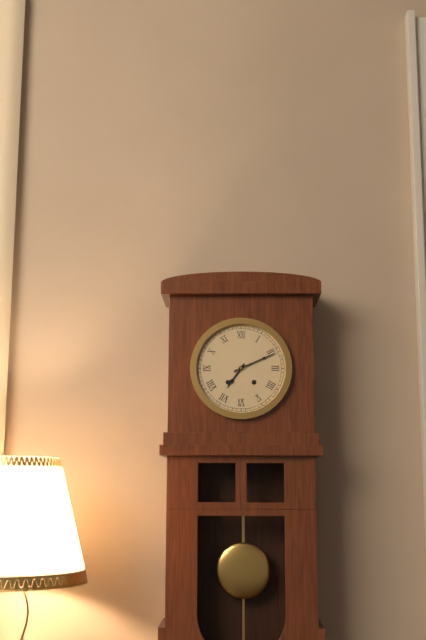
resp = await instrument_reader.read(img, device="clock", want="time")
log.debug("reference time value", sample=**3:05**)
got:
**7:11**
